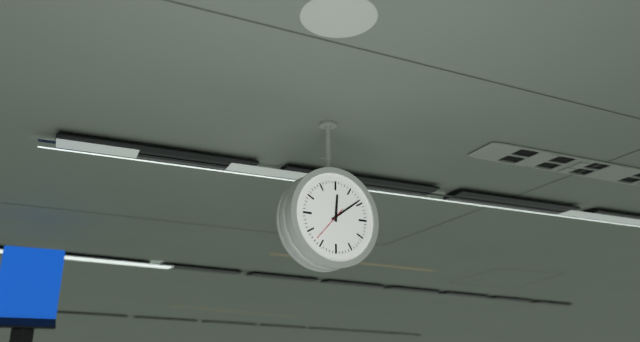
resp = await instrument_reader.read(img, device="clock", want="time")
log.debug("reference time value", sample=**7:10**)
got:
**12:09**
